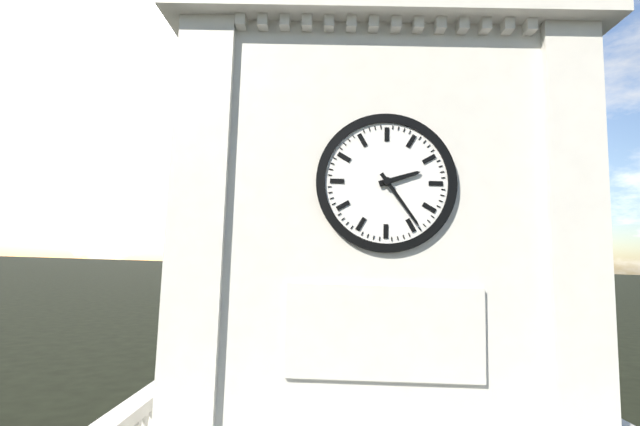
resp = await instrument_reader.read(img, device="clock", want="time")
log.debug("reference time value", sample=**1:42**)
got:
**2:24**
